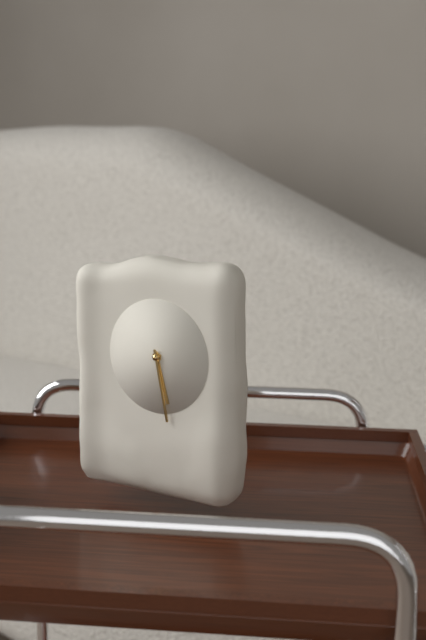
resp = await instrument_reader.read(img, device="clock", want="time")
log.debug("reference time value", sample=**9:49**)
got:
**5:28**
